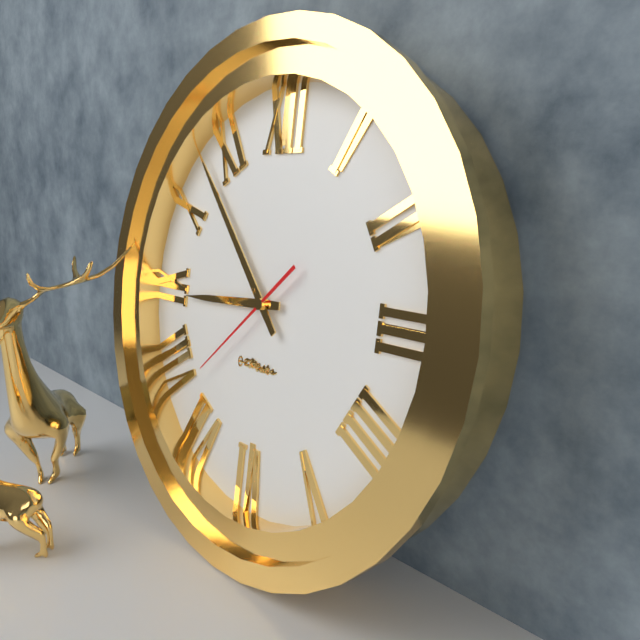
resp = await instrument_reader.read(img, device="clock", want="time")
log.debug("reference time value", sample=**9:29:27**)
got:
**8:53:38**
